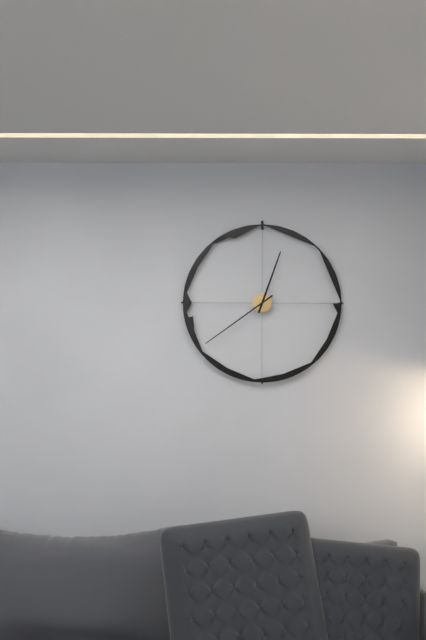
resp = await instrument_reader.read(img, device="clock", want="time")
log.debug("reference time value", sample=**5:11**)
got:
**12:39**
